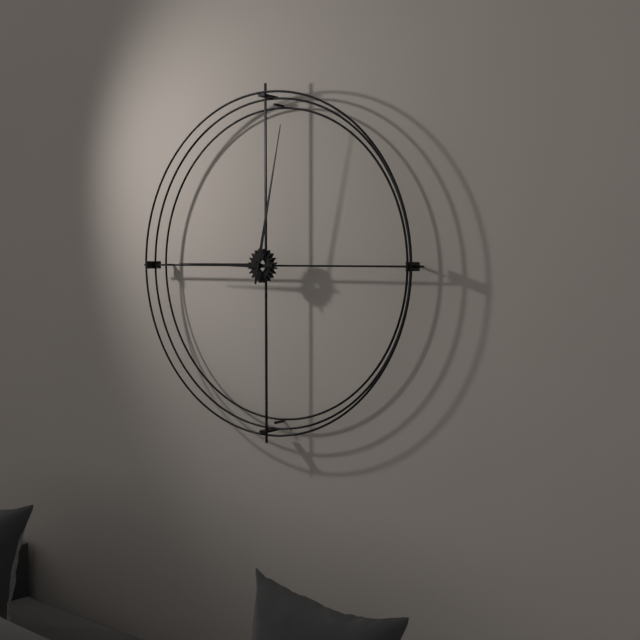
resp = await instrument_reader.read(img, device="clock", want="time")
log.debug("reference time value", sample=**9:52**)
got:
**9:02**
